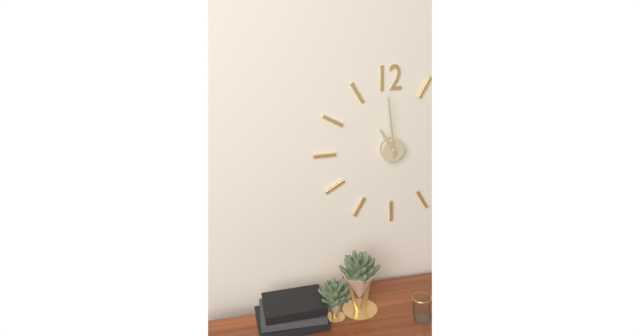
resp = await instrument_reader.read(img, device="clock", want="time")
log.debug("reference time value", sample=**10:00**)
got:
**10:59**
